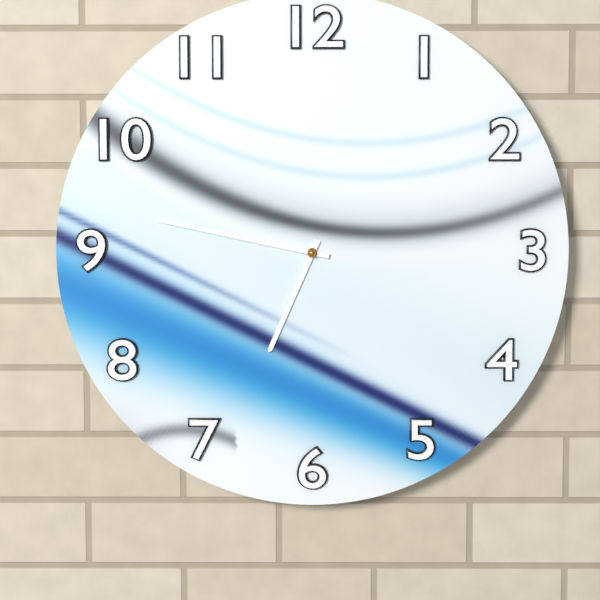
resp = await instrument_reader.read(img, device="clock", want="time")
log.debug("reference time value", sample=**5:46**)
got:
**6:47**
